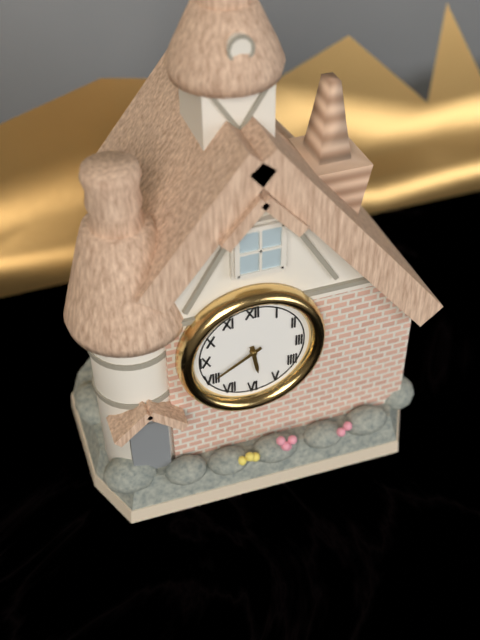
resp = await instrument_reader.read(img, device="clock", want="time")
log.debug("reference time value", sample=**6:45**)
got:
**5:40**
